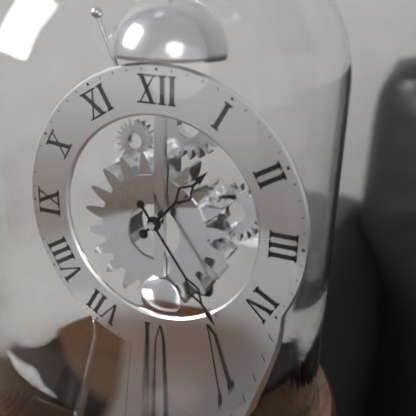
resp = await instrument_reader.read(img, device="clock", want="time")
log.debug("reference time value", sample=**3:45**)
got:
**1:24**
